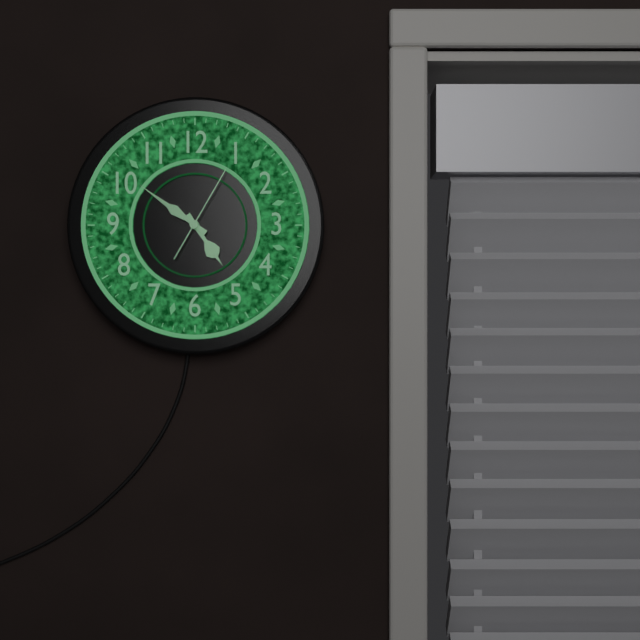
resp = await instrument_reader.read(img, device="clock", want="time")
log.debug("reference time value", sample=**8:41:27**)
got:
**4:51:05**
